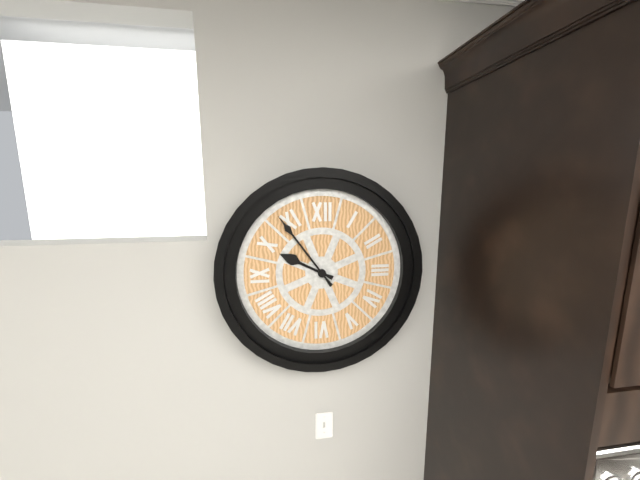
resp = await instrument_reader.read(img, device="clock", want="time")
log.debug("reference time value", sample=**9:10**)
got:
**9:54**
